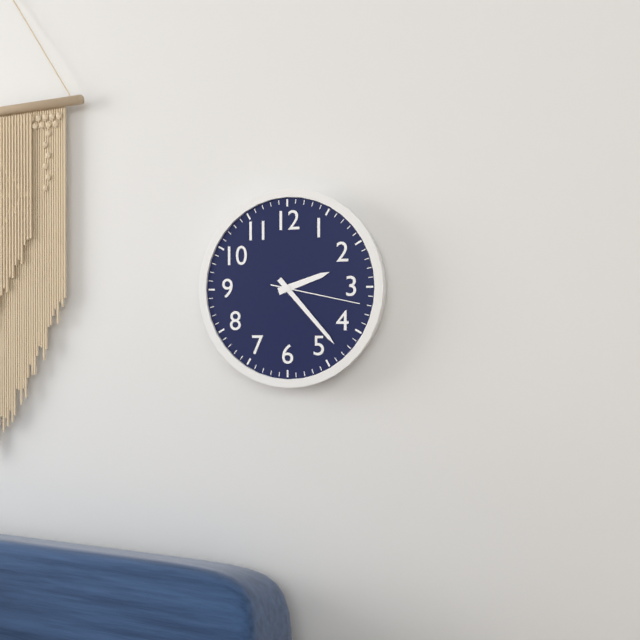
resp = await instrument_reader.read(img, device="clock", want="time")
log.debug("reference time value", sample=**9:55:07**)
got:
**2:23:17**
